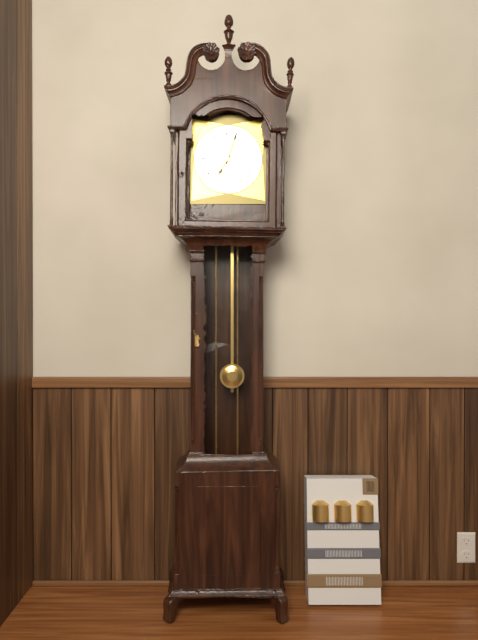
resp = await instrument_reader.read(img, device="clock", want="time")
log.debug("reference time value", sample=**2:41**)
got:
**7:03**
